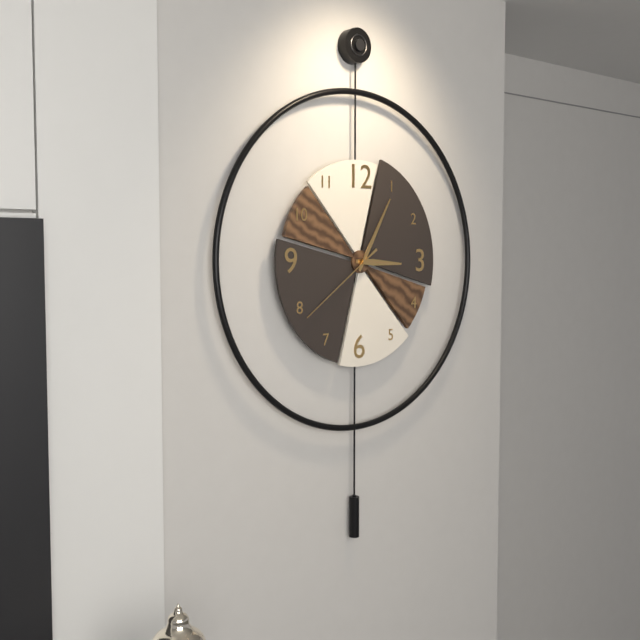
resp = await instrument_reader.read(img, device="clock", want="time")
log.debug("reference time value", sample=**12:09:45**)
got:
**3:05:39**
